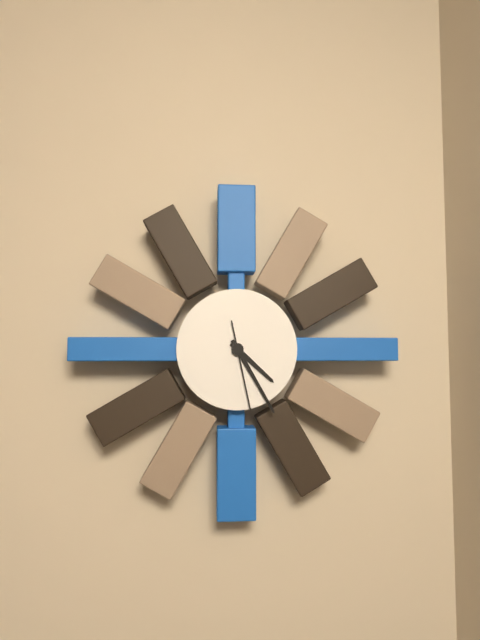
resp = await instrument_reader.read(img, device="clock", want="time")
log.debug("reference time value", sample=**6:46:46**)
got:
**4:25:28**
